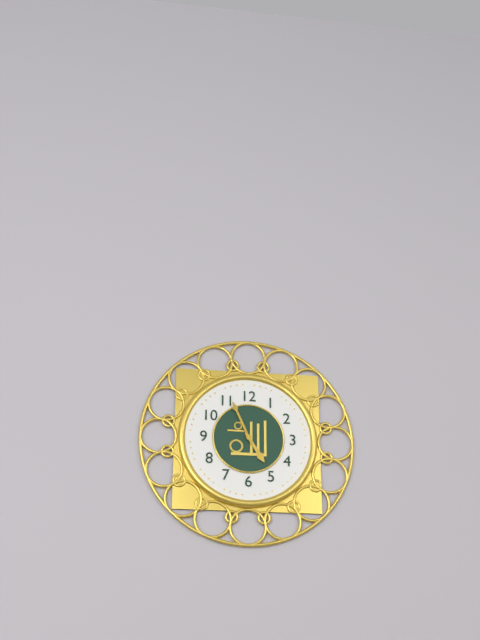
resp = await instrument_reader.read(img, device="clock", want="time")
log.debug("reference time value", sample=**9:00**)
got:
**4:56**
